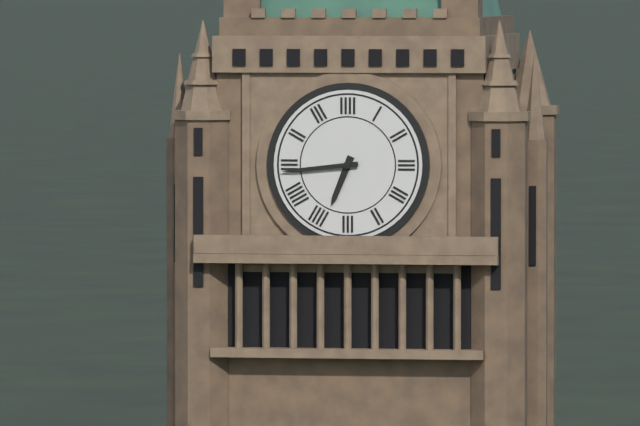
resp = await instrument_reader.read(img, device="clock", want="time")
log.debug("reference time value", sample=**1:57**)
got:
**6:44**
